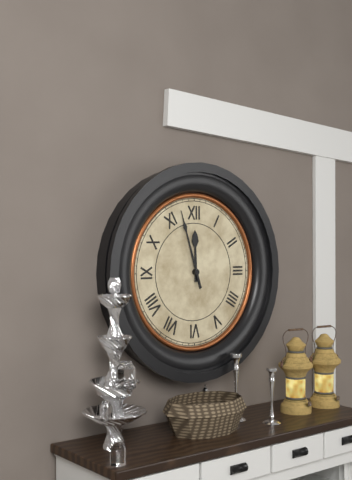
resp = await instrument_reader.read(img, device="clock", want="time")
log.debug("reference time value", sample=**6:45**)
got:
**11:57**
